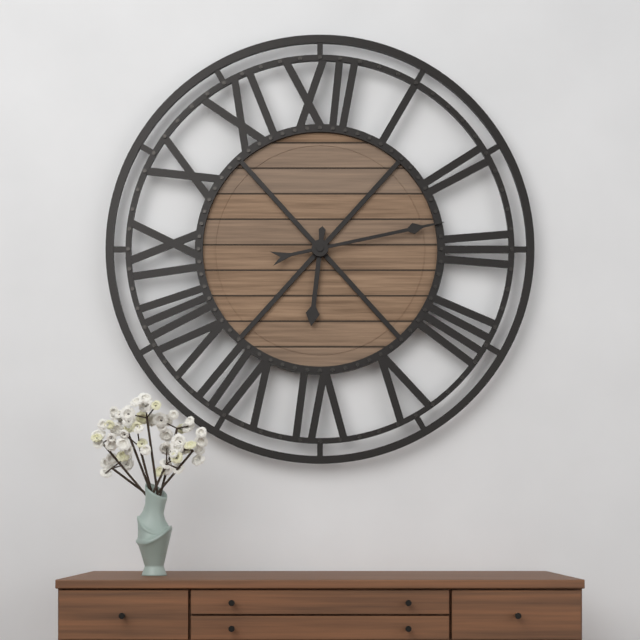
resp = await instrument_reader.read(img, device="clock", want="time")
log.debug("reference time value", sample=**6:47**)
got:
**6:13**
